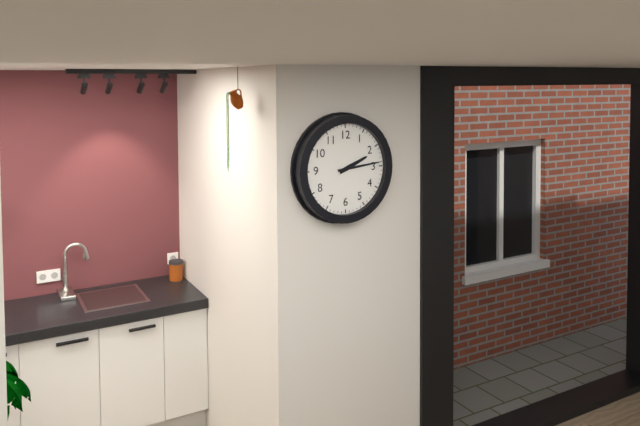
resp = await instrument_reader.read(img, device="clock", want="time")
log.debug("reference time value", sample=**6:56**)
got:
**2:14**
